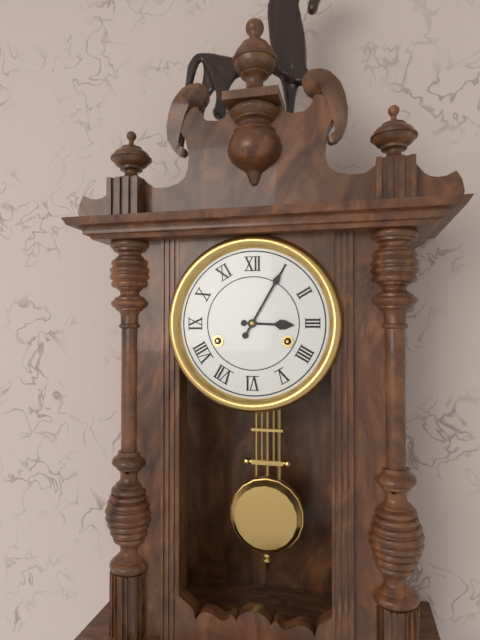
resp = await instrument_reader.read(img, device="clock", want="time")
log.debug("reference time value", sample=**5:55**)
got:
**3:05**
